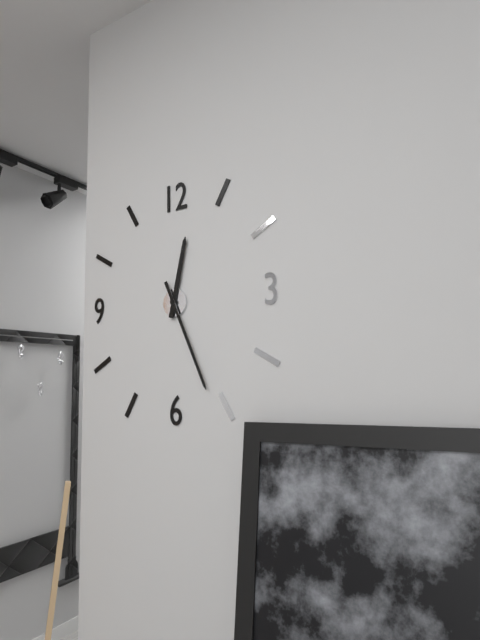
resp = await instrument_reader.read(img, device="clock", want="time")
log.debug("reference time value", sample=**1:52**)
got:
**12:26**
